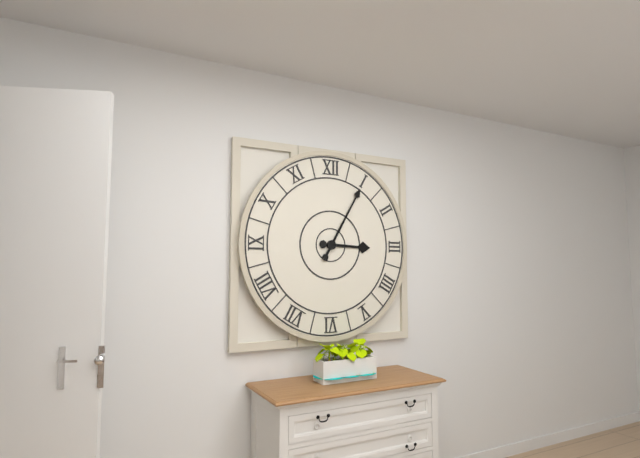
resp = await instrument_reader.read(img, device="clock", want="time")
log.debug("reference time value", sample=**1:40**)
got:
**3:05**
